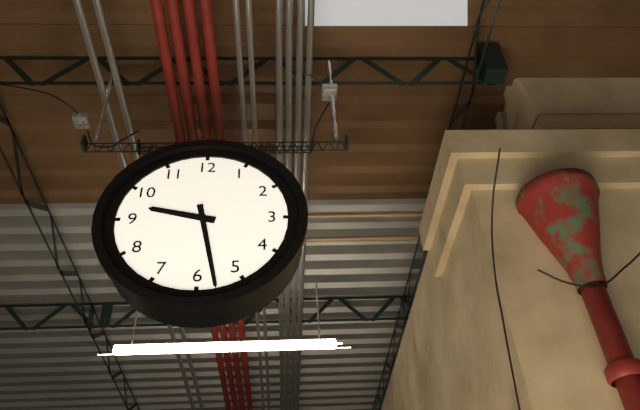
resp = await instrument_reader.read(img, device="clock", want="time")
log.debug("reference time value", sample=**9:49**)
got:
**9:28**
